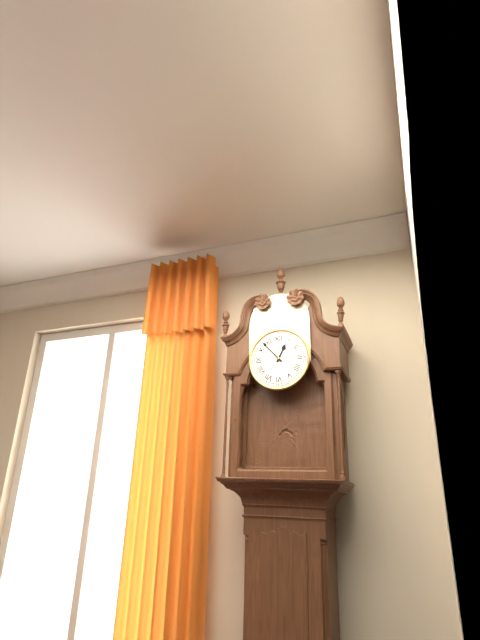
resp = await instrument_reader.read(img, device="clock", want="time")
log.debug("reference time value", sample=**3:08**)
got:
**12:53**
